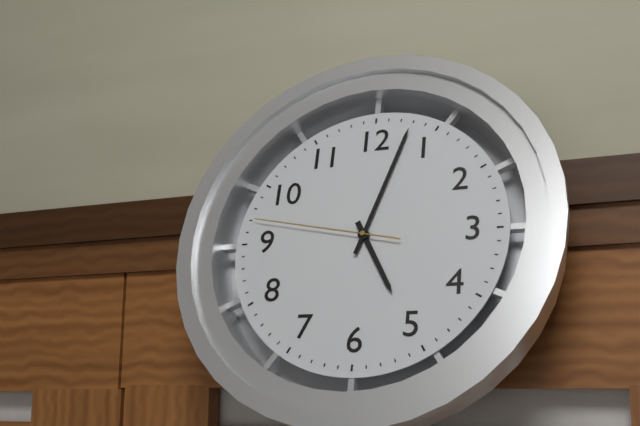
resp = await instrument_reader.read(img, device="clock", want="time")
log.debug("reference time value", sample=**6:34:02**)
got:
**5:03:47**
